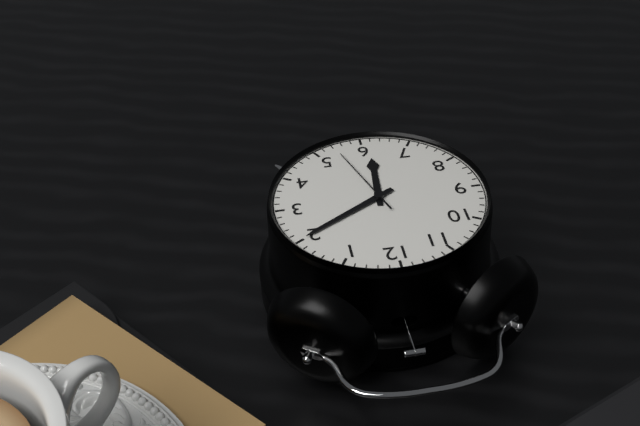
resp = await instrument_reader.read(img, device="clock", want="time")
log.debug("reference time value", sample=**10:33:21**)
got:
**6:10:27**
